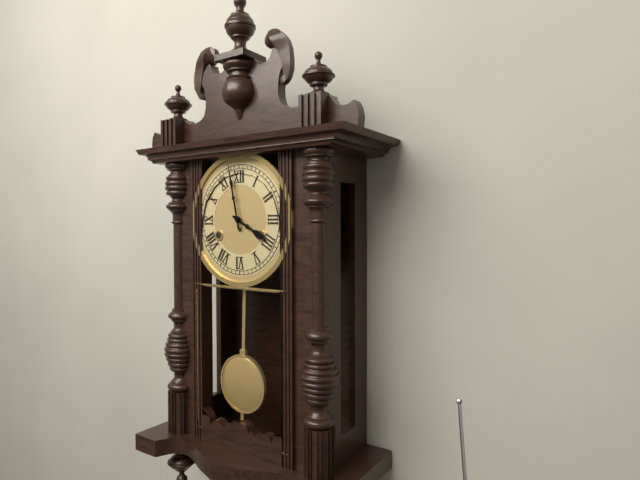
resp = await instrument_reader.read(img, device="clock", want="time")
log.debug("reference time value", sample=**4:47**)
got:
**3:58**
